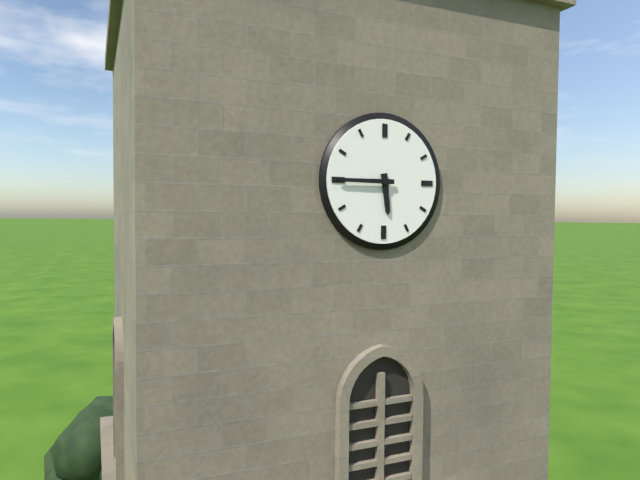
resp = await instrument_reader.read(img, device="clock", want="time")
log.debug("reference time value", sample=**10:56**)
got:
**5:45**
